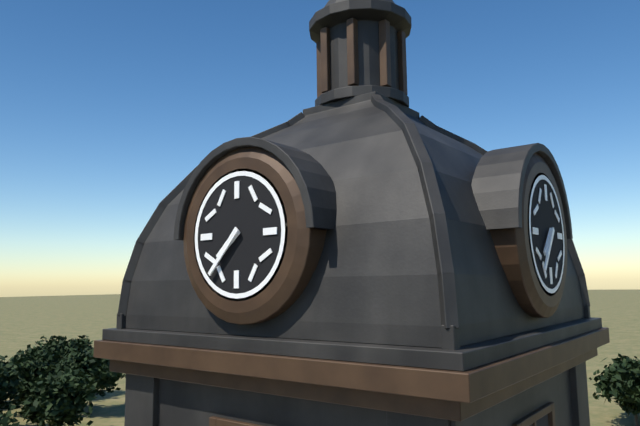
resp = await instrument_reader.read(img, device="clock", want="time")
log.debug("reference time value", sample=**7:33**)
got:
**7:37**
